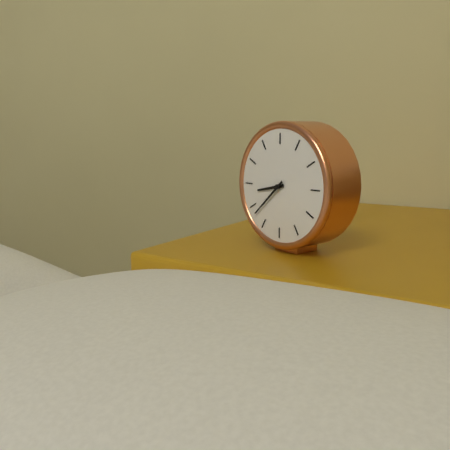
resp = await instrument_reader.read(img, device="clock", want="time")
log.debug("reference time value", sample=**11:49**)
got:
**8:38**
